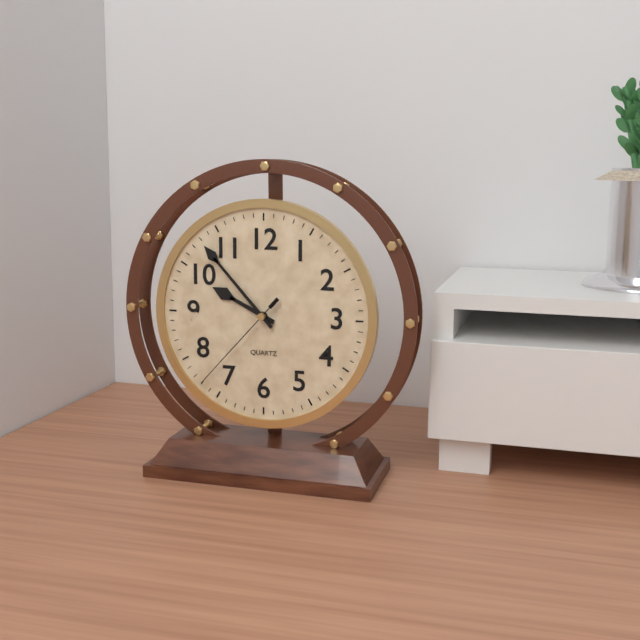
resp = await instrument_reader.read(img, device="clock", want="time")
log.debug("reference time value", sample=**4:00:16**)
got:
**9:53:37**
